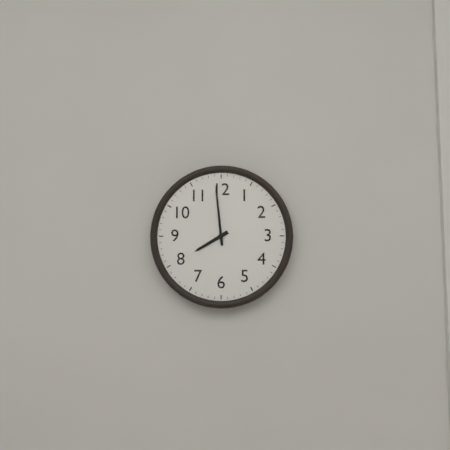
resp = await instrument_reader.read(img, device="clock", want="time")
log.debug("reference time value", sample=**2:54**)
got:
**7:59**
